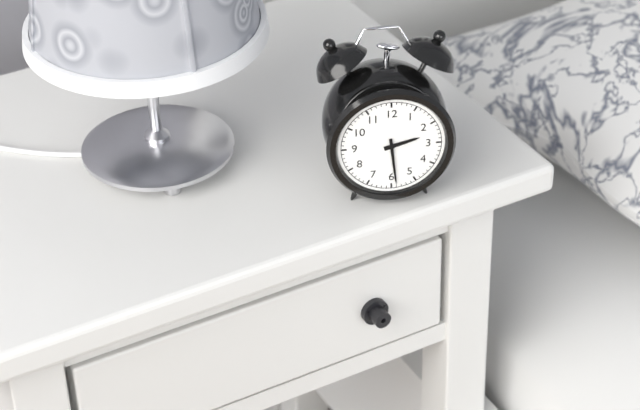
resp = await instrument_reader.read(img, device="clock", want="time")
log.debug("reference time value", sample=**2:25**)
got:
**2:29**
